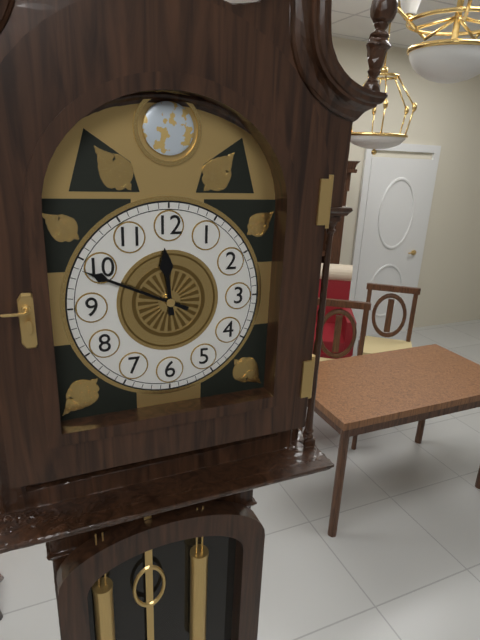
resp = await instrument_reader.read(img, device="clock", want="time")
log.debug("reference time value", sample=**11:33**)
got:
**11:49**
